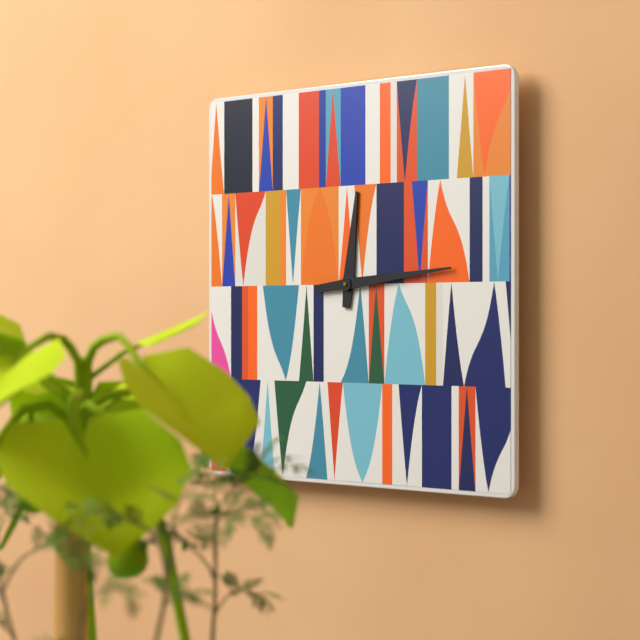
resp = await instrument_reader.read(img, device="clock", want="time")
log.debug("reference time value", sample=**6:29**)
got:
**12:14**
